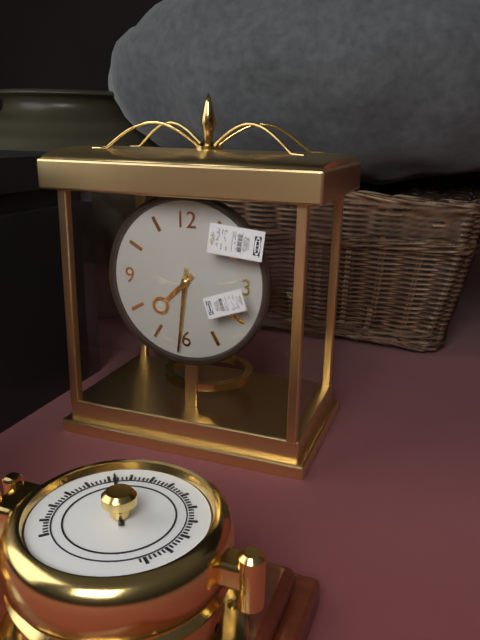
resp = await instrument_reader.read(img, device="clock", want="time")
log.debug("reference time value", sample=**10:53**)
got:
**7:31**
